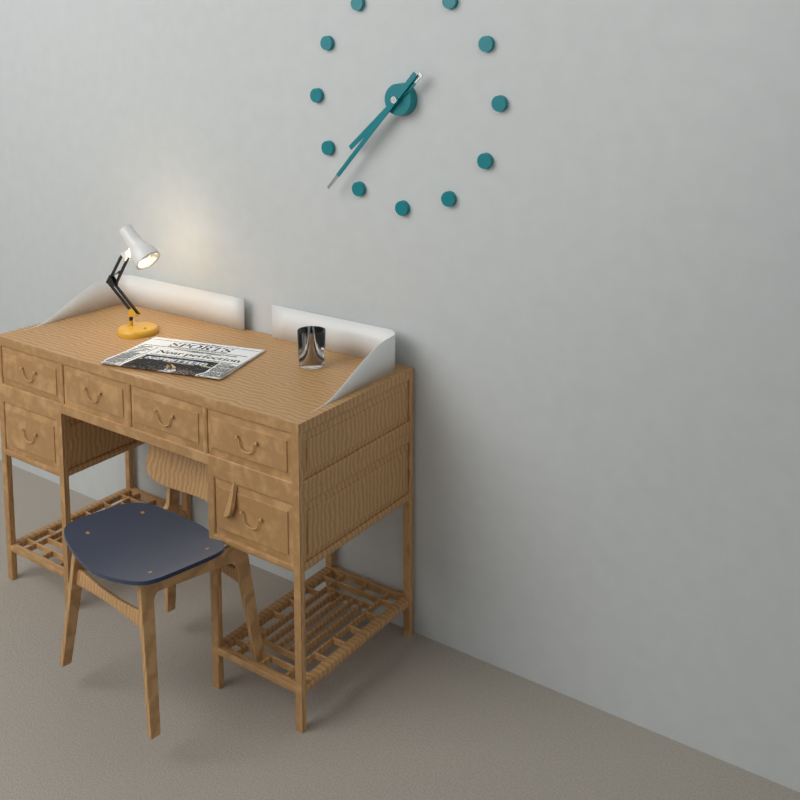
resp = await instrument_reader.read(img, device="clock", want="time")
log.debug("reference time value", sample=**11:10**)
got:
**7:37**
